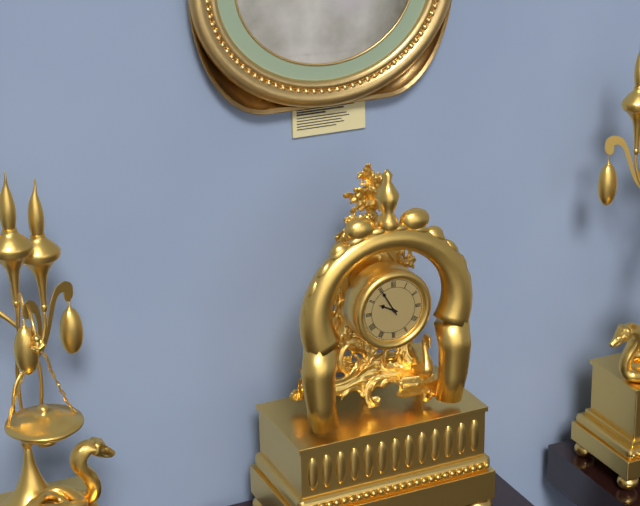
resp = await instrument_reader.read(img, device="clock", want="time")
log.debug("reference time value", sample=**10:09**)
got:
**9:55**
